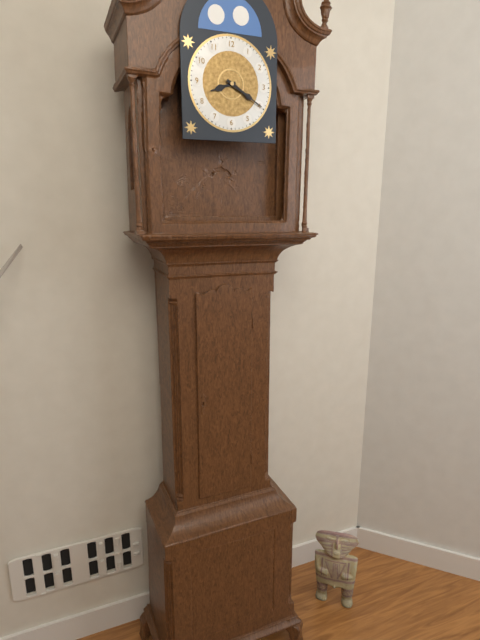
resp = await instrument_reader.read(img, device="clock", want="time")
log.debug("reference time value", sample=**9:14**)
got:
**8:20**
